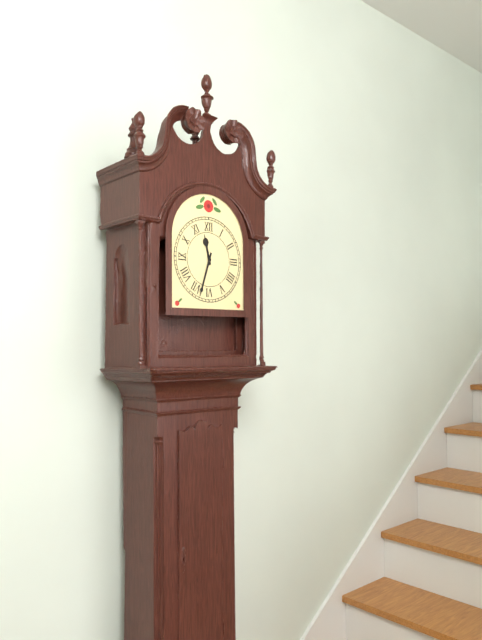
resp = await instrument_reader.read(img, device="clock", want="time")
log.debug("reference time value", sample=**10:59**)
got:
**11:33**
